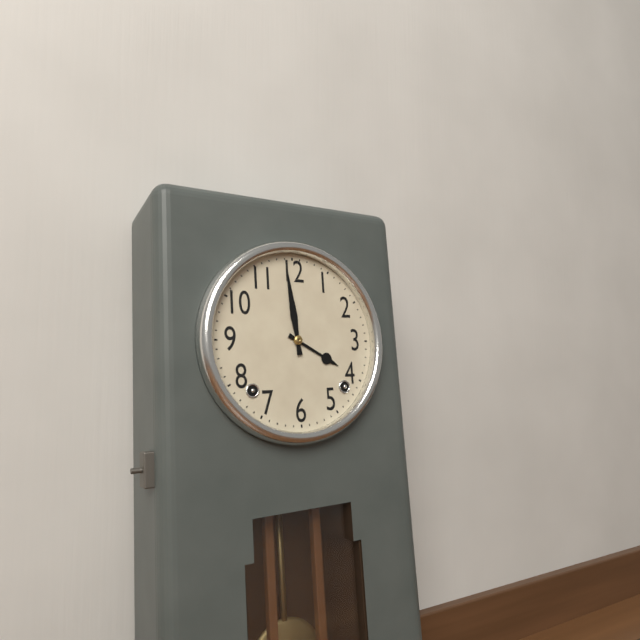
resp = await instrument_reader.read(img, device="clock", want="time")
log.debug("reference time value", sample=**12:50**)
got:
**3:59**
